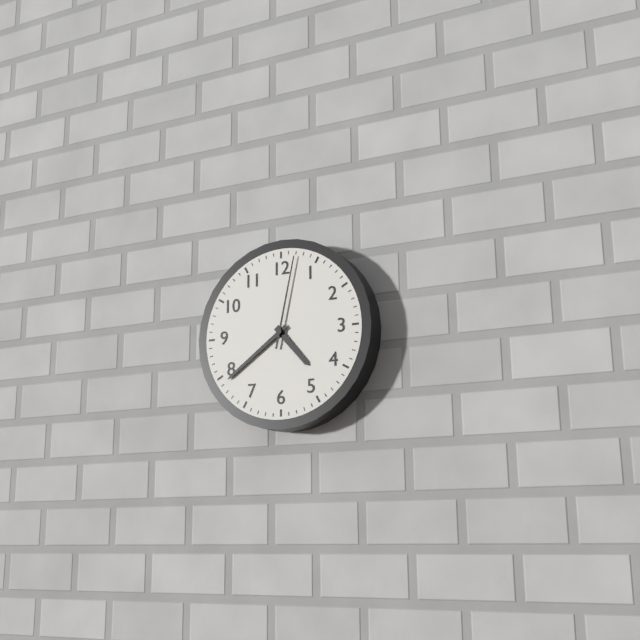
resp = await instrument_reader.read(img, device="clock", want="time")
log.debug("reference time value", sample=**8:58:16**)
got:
**4:39:02**
